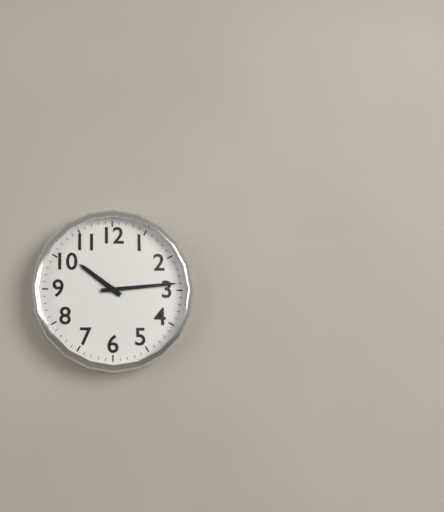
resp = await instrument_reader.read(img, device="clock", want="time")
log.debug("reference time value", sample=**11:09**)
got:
**10:14**
